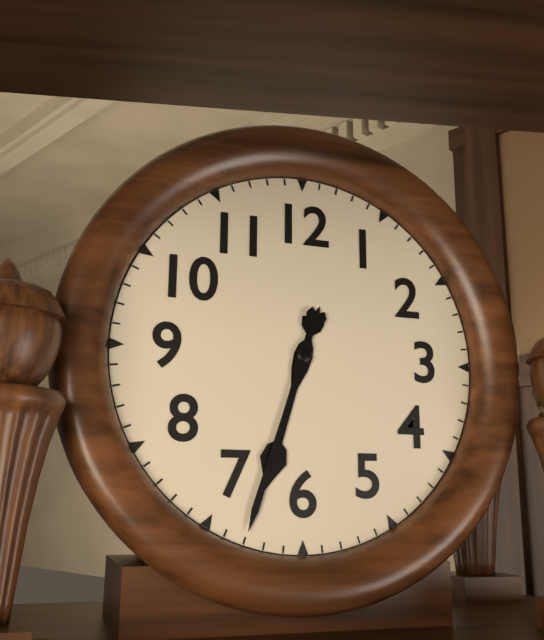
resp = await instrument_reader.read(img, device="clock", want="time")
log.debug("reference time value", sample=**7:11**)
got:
**6:33**
